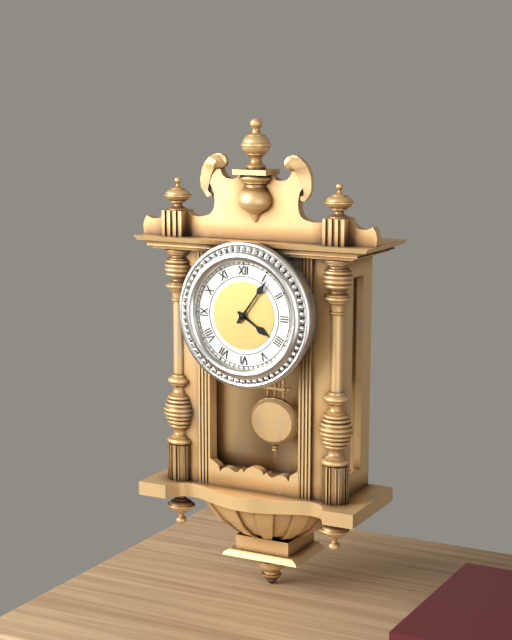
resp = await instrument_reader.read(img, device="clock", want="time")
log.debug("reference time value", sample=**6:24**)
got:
**4:06**
